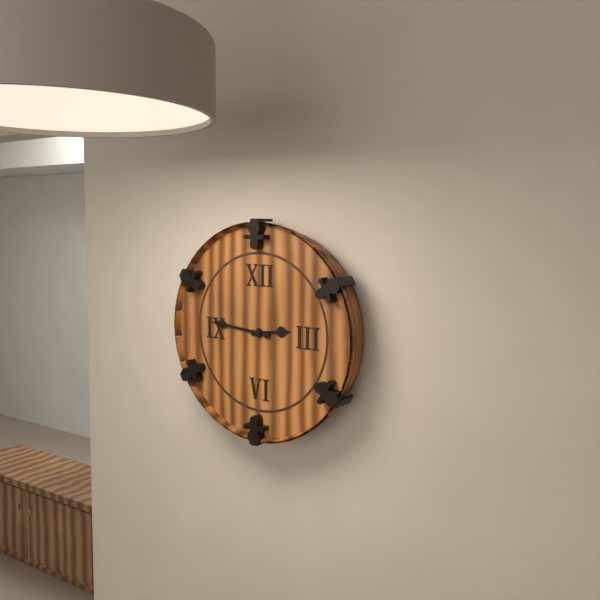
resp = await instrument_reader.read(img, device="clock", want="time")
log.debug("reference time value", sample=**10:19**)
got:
**2:46**
